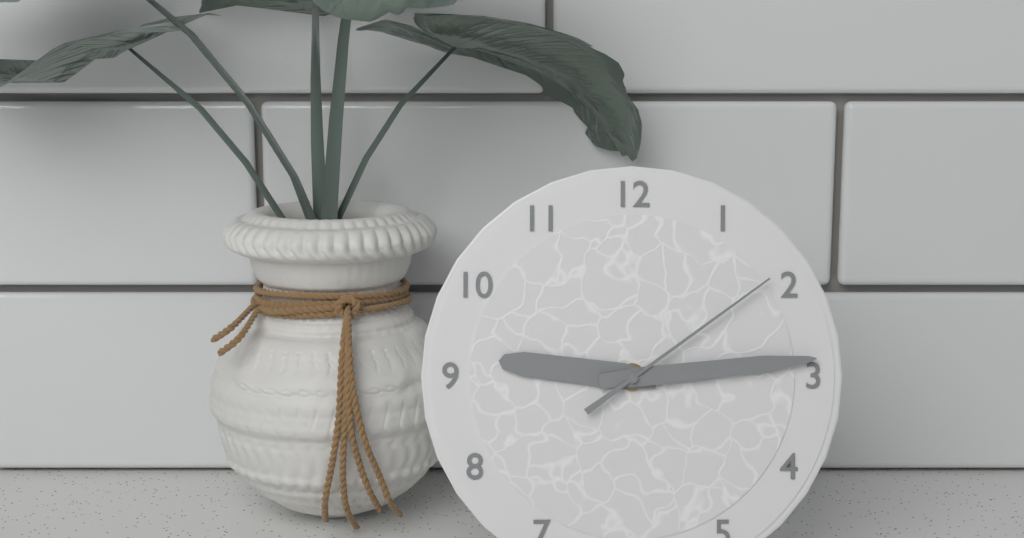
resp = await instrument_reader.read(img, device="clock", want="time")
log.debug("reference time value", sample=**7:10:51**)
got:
**9:14:09**
